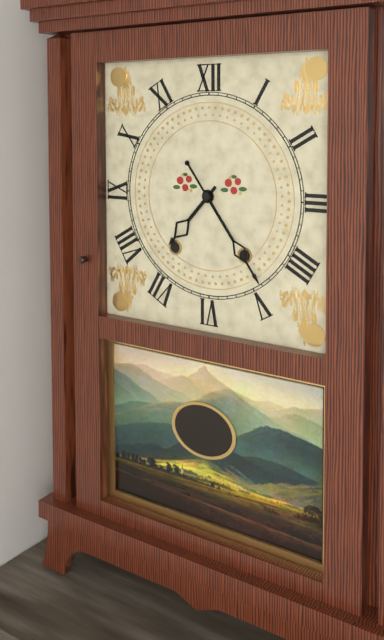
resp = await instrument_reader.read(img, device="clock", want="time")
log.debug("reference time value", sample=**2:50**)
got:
**7:24**
